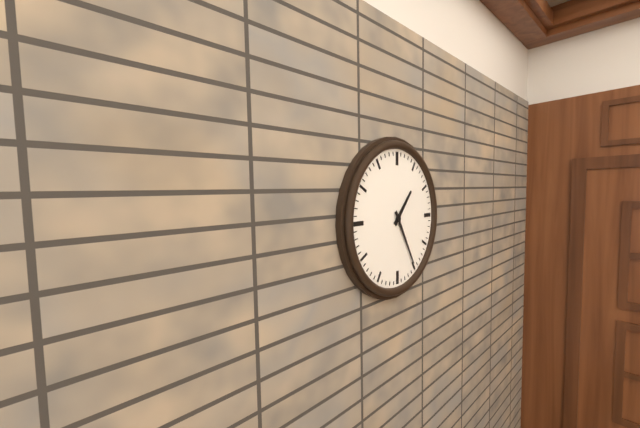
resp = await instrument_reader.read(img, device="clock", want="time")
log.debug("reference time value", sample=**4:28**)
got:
**1:25**
